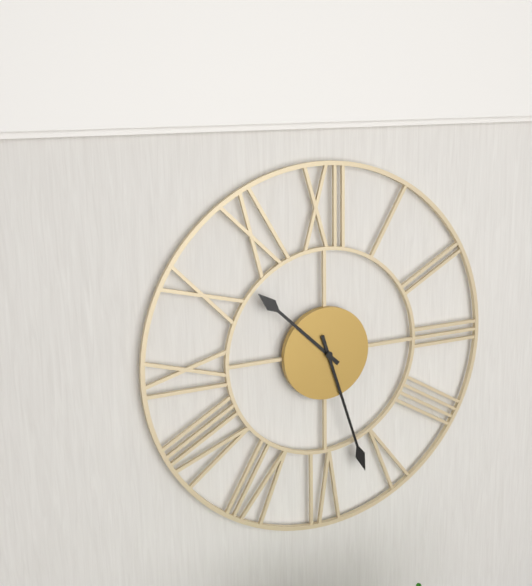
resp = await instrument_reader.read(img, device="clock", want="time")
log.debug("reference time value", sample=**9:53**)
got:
**10:27**
